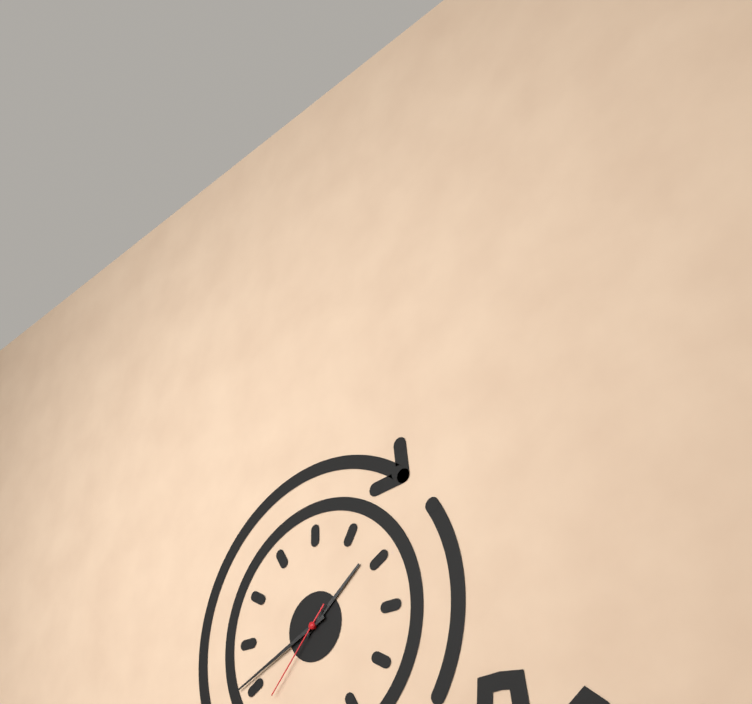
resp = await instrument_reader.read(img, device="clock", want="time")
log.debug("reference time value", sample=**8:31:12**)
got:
**1:41:37**
